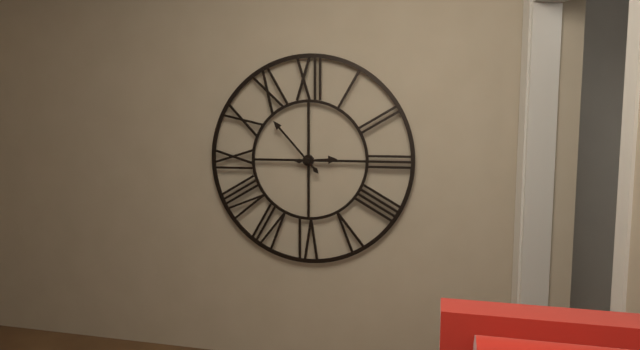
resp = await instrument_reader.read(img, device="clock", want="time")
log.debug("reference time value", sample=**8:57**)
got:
**2:53**
